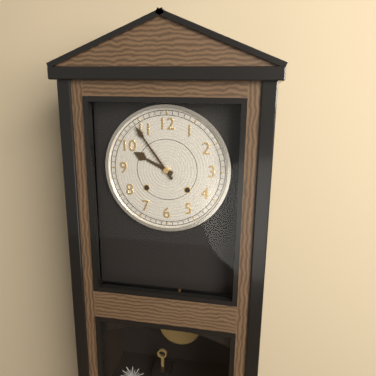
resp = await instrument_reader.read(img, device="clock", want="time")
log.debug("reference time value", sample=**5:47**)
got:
**9:54**
